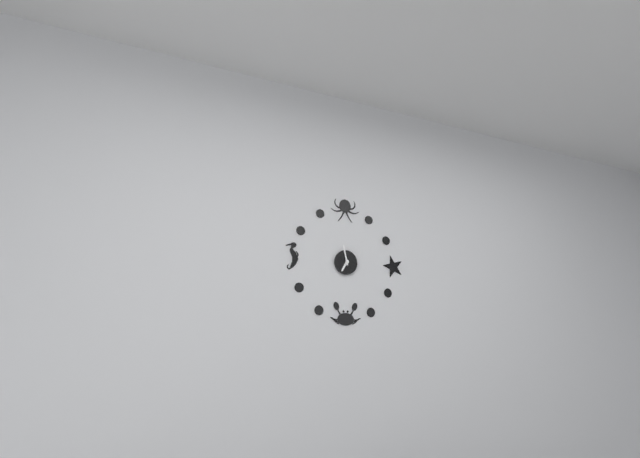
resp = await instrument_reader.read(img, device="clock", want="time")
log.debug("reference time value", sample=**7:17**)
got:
**6:58**
